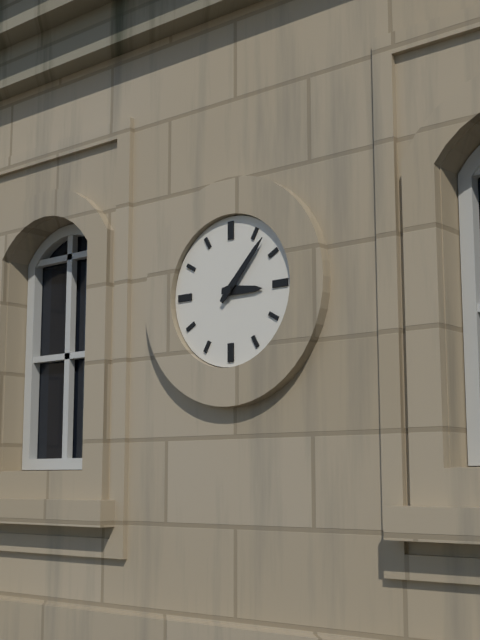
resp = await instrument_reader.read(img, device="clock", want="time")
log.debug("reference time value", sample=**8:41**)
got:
**3:07**
